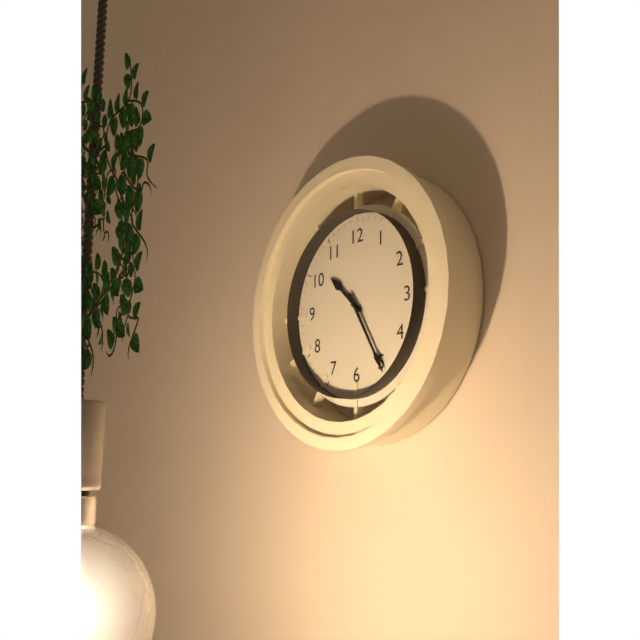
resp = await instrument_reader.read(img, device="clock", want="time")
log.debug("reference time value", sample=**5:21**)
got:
**10:25**
